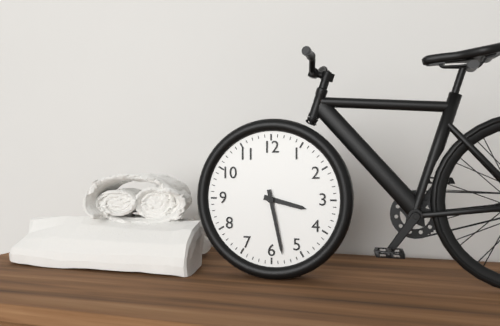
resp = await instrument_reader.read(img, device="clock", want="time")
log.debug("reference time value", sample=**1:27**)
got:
**3:28**
